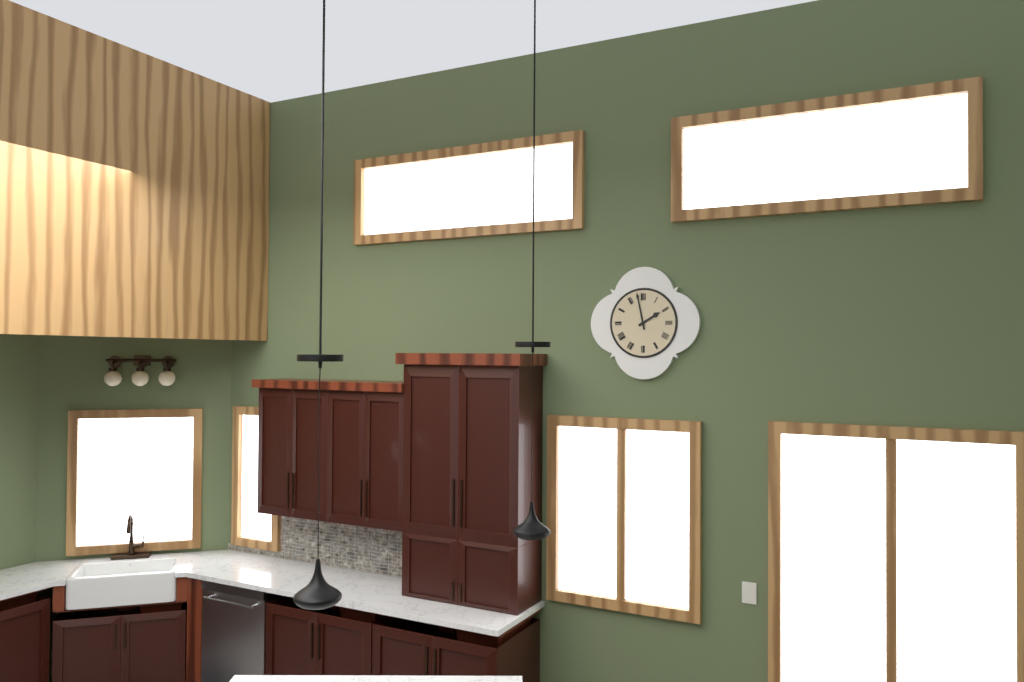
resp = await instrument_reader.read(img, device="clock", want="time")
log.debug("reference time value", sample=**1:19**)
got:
**1:58**
